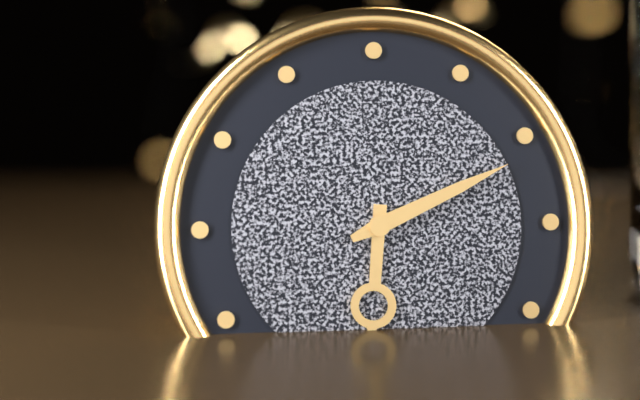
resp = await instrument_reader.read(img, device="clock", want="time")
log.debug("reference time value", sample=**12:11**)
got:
**6:11**
